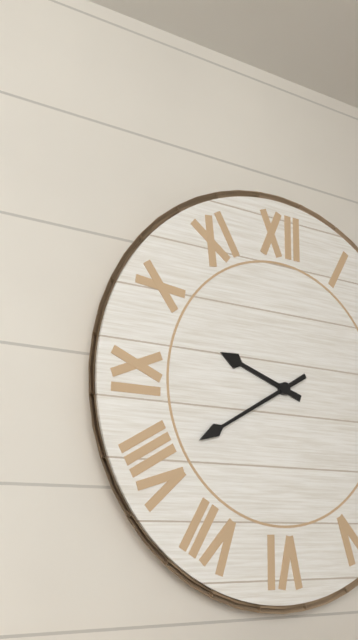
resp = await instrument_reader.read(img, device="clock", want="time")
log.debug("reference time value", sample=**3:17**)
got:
**9:40**
